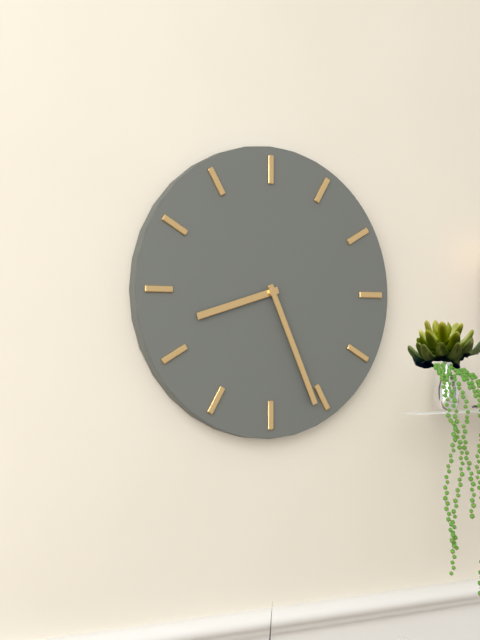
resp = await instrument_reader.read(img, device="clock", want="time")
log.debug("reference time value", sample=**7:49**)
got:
**8:26**
